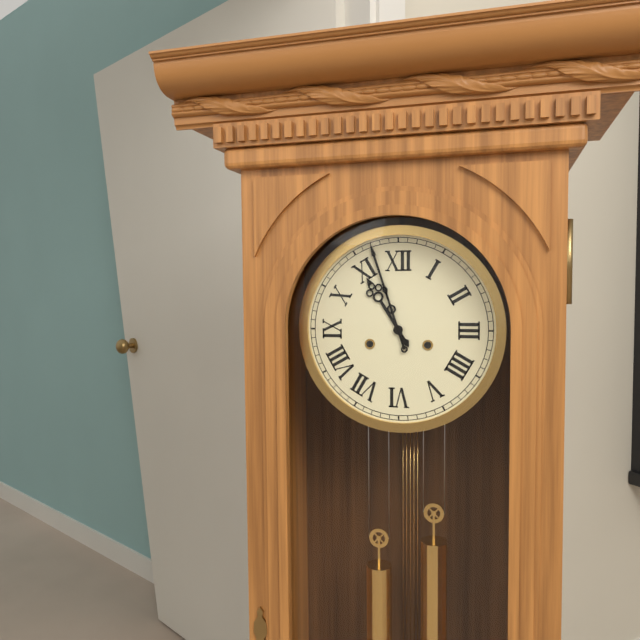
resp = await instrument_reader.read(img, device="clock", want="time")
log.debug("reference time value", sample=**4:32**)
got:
**10:57**
